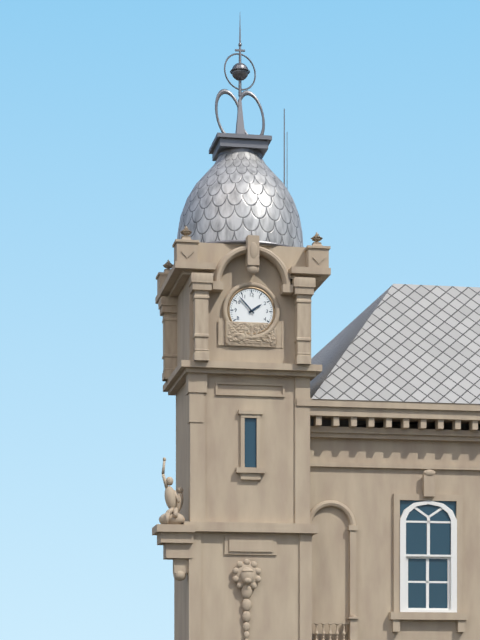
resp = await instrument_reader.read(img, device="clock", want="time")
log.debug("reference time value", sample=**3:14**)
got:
**1:53**
